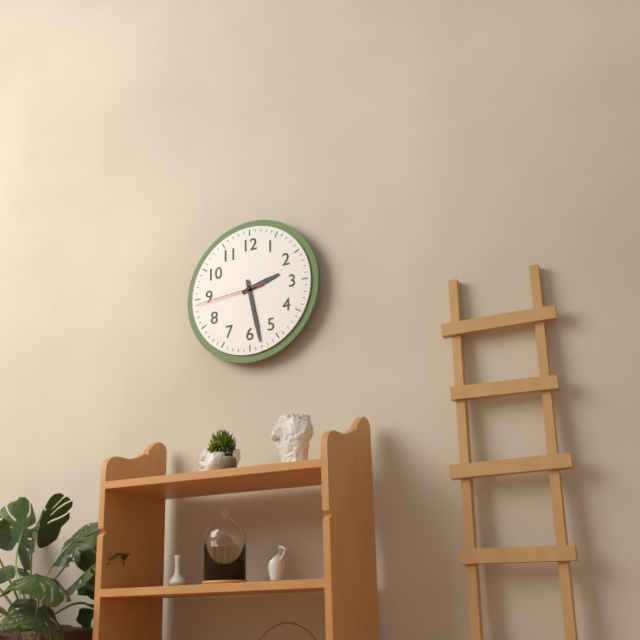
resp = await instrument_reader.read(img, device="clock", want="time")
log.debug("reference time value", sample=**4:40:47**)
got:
**2:28:44**
